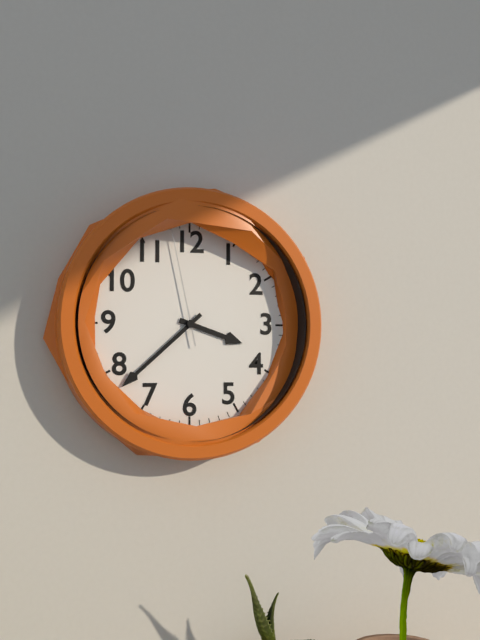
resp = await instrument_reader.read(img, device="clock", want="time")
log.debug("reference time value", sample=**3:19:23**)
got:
**3:38:58**
